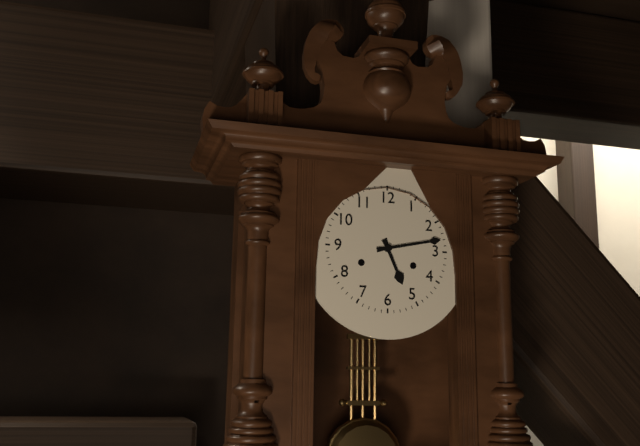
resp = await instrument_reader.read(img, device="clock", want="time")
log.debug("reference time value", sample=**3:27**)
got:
**5:13**
